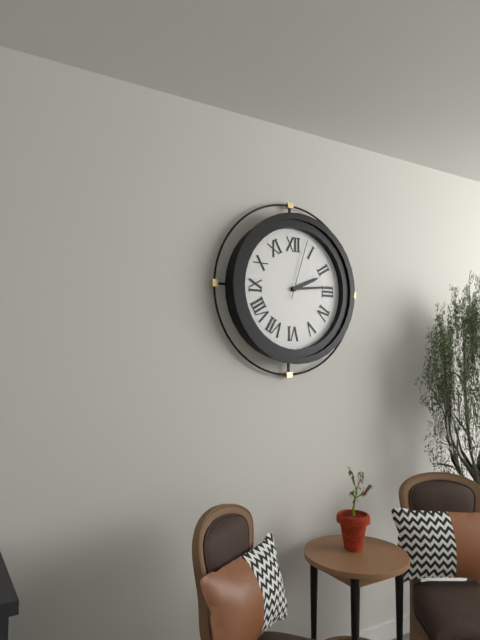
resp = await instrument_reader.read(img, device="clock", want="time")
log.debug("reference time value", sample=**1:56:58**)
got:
**2:14:03**
